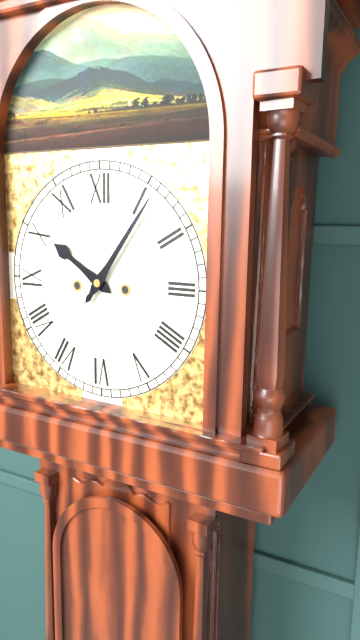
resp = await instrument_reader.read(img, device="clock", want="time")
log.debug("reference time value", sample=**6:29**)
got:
**10:06**
